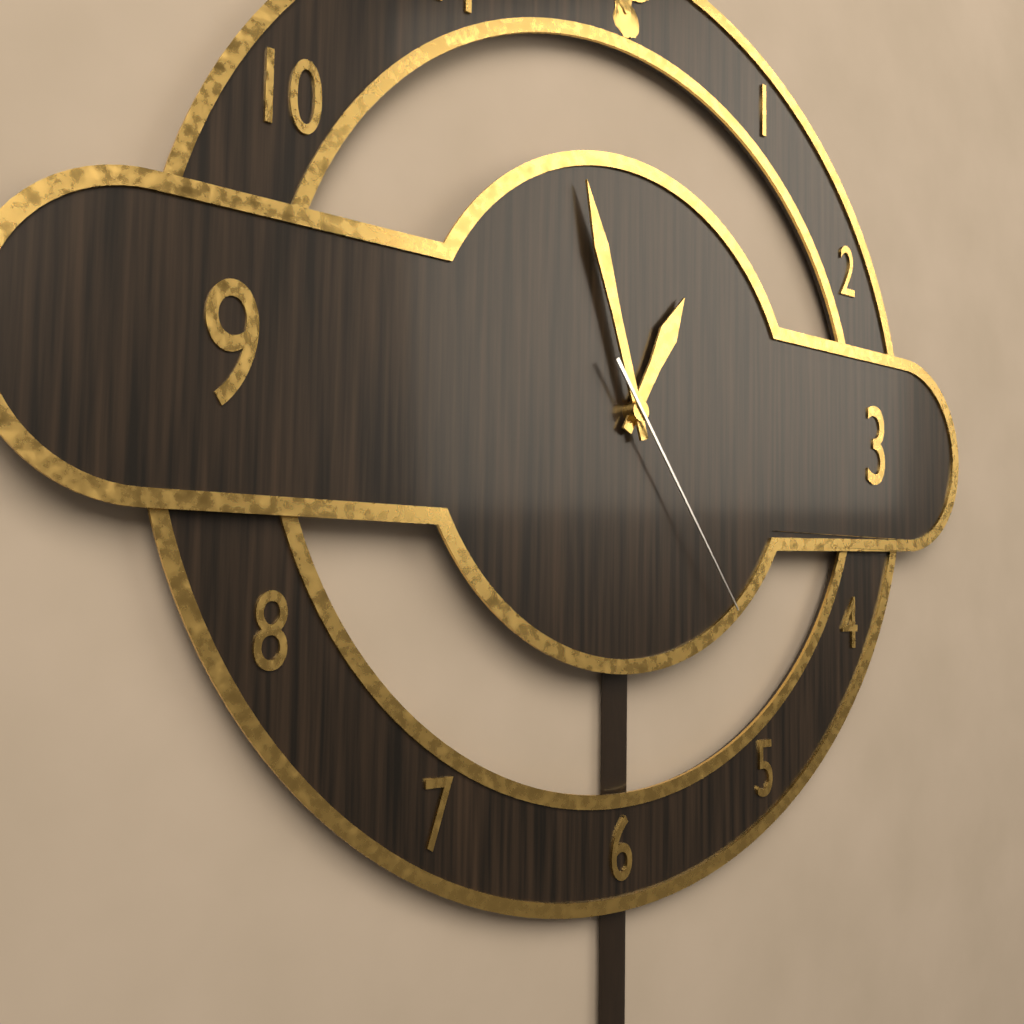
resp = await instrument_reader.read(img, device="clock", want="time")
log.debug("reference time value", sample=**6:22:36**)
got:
**12:57:24**
